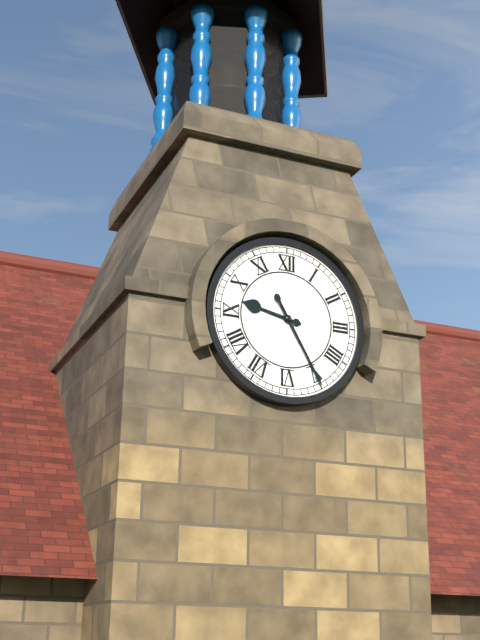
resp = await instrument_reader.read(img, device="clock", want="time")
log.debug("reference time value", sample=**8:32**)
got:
**9:25**
